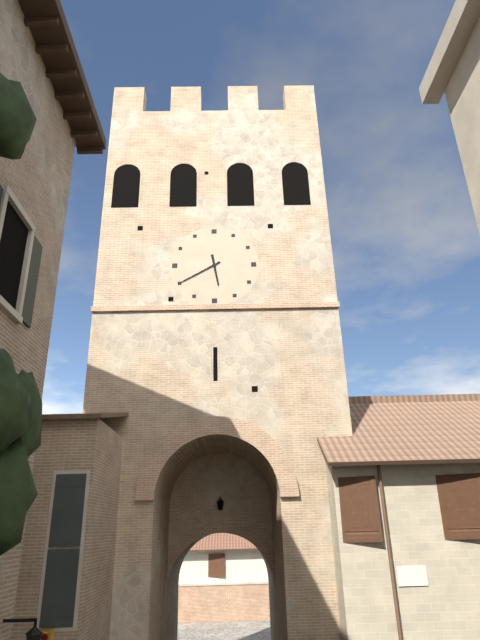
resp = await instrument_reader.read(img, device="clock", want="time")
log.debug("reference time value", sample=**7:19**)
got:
**5:40**
